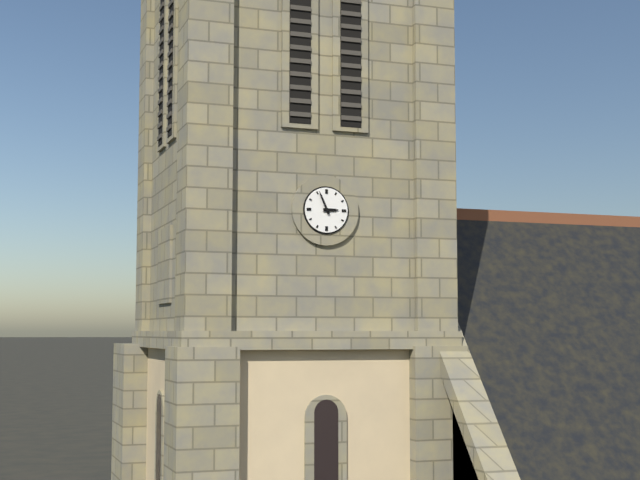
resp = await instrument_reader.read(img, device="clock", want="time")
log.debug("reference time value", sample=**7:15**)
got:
**2:56**
